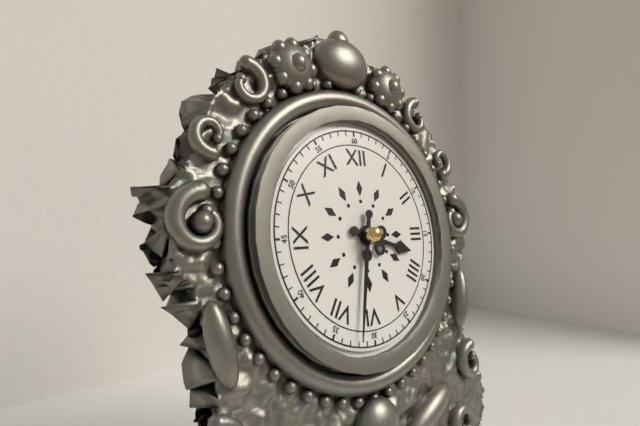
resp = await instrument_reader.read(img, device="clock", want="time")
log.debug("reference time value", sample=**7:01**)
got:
**3:32**
